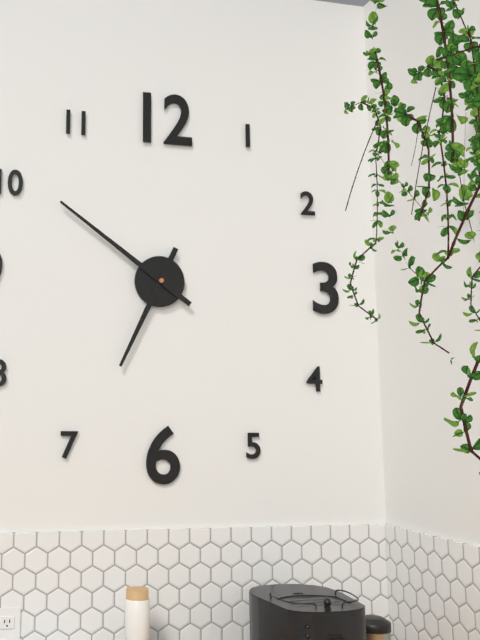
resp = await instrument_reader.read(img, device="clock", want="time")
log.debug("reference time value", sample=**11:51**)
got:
**6:51**
